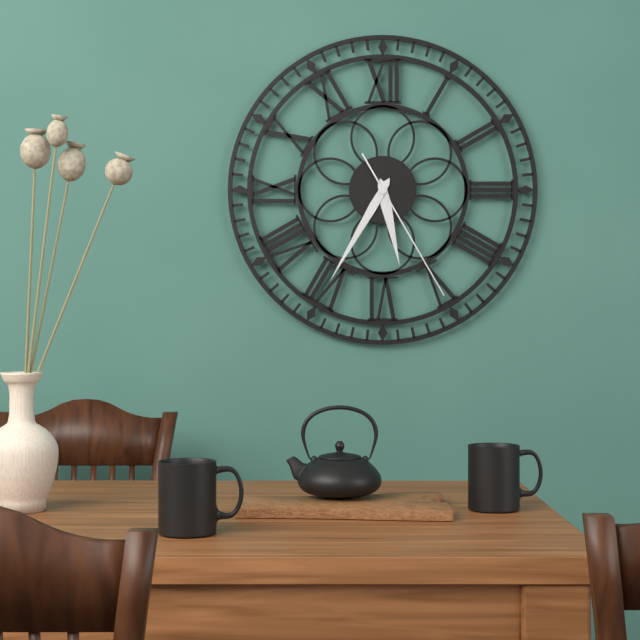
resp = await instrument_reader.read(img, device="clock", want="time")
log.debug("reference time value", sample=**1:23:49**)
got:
**5:35:25**
